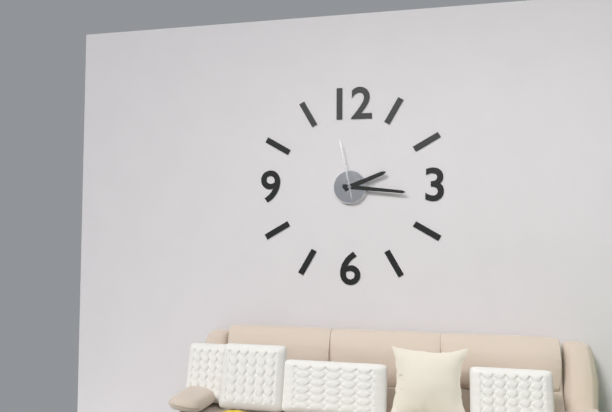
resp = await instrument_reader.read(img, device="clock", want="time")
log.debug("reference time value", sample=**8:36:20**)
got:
**2:16:58**
